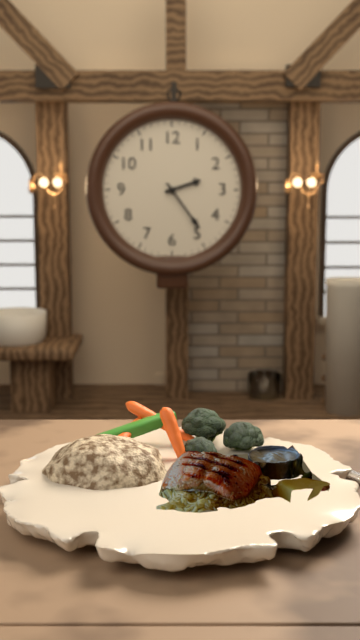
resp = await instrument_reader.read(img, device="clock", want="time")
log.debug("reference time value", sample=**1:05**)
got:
**2:24**
